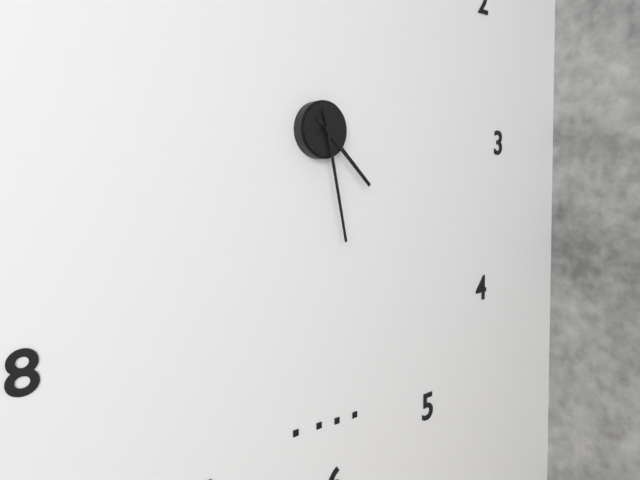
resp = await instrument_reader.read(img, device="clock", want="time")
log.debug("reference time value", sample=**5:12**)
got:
**4:28**
